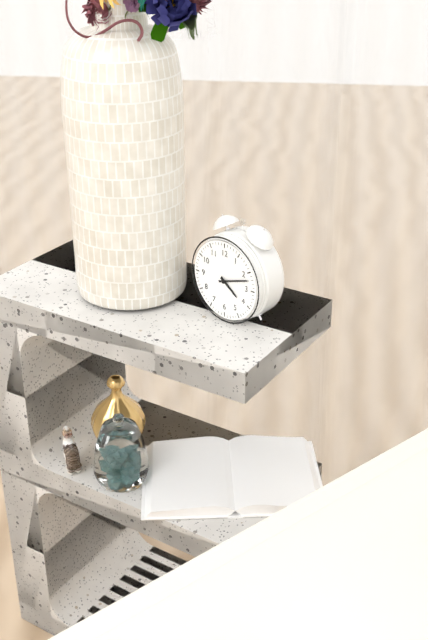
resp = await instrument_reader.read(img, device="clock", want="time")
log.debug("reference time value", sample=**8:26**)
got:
**4:12**
